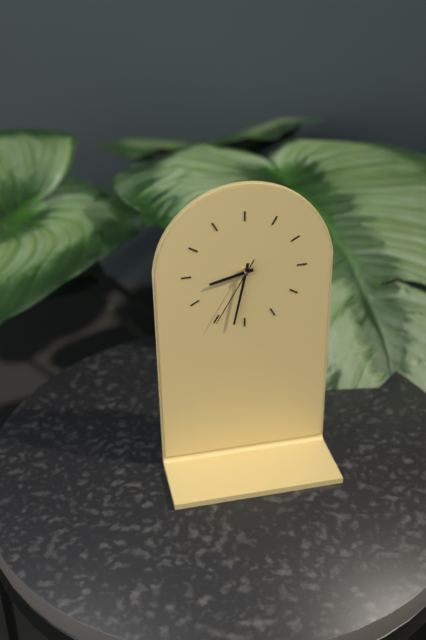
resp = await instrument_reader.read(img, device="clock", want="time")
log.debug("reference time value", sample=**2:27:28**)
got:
**8:32:35**
